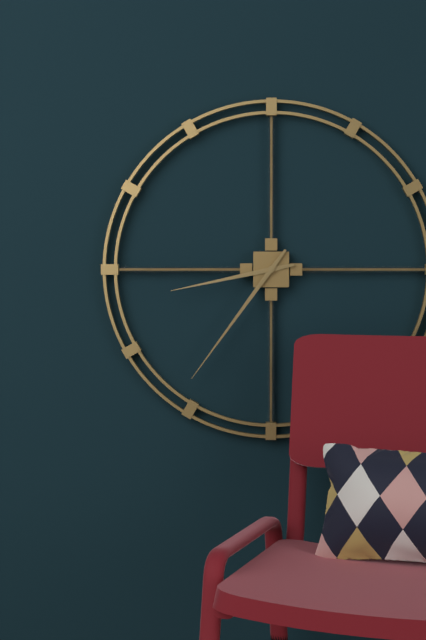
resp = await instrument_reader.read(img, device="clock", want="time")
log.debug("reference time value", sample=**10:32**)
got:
**8:36**
